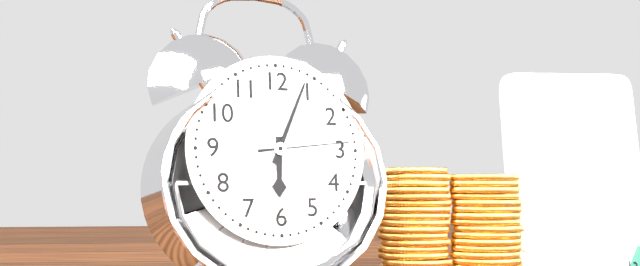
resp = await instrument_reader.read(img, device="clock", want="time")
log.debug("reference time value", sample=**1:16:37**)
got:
**6:04:14**
